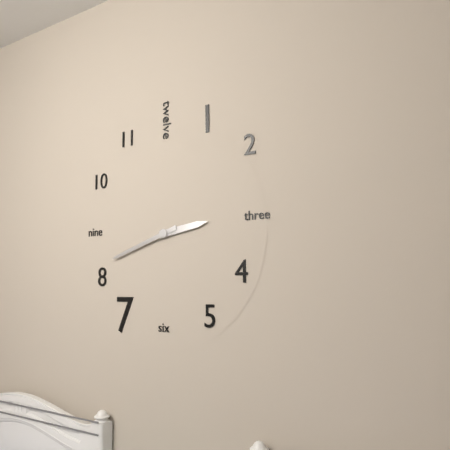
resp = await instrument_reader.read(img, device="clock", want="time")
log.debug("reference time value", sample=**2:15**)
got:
**2:42**
